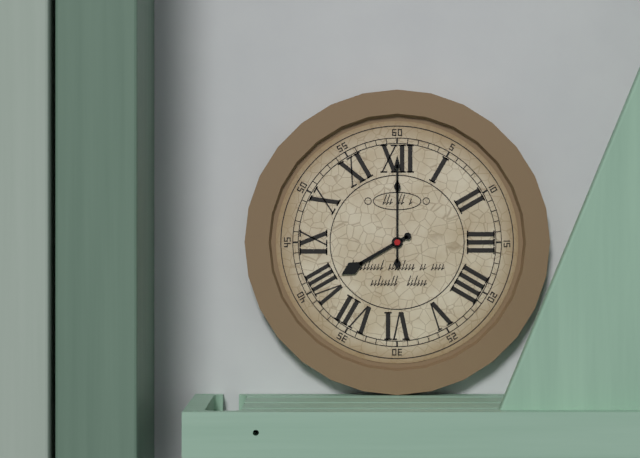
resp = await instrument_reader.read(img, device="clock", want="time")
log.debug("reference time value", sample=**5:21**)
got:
**8:00**
